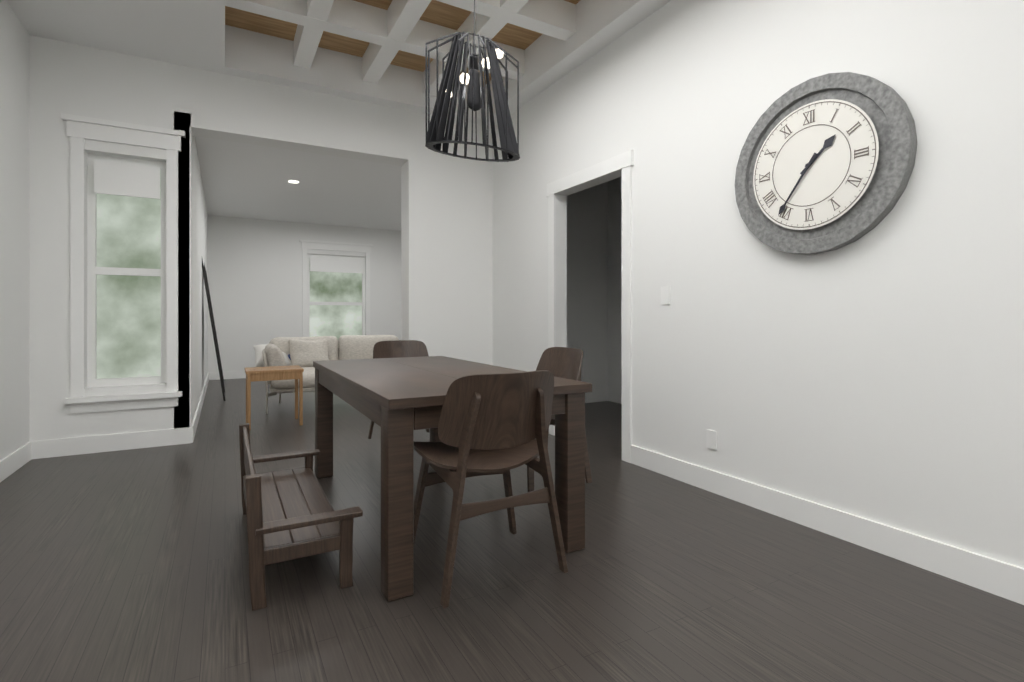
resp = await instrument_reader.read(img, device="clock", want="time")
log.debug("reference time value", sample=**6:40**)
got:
**1:36**
